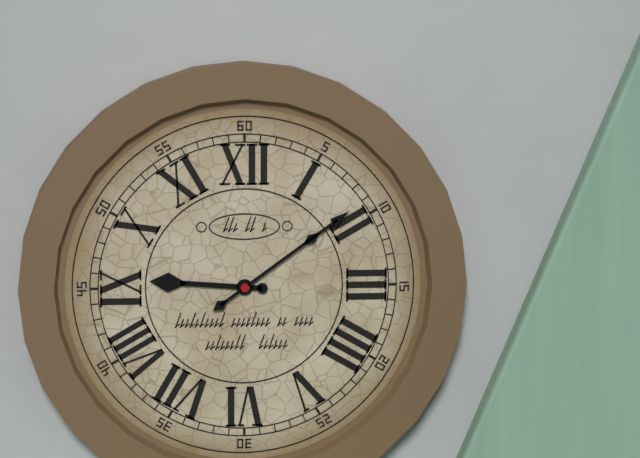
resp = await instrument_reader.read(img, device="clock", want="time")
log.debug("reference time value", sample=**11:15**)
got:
**9:09**
